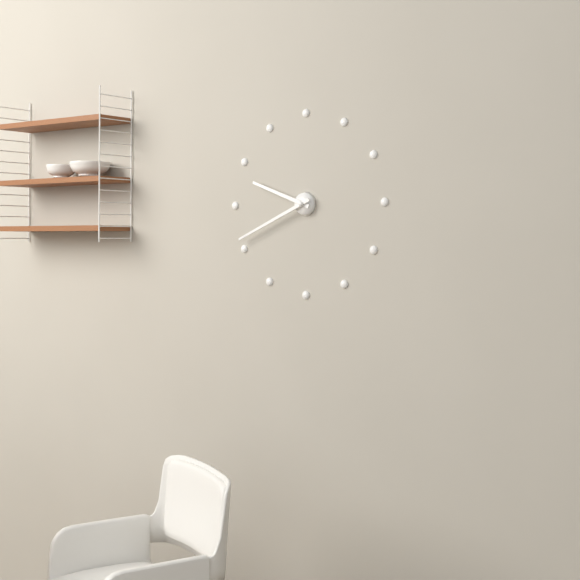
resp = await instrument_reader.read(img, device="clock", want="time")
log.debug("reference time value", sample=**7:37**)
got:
**9:41**
